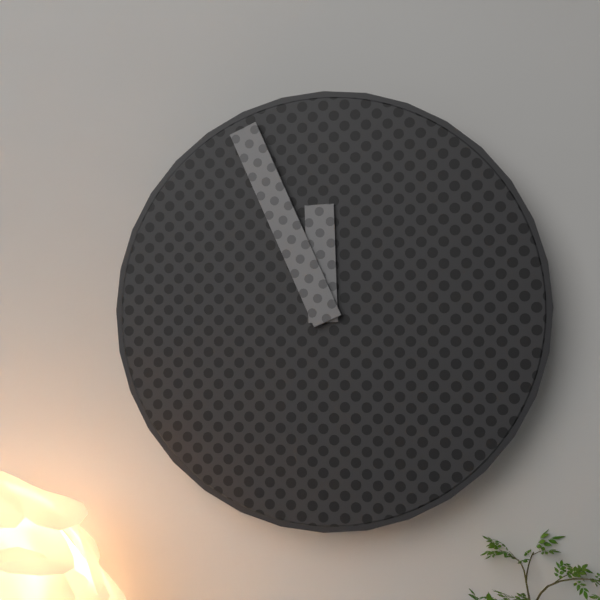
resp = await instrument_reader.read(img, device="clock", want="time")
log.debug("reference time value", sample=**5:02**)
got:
**11:56**
